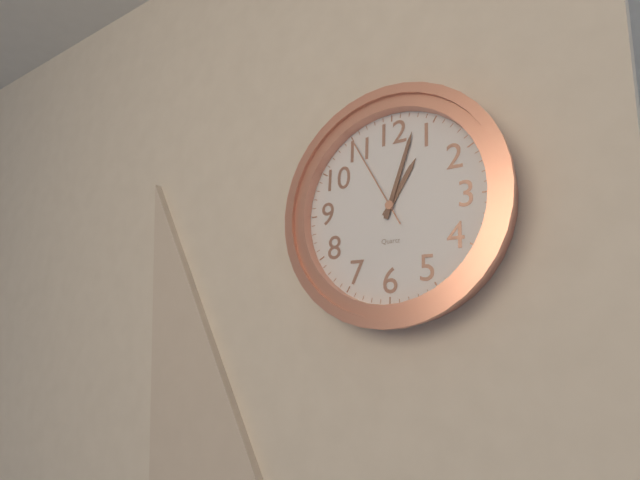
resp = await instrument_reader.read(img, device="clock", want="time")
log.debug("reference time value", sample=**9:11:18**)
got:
**1:03:55**
